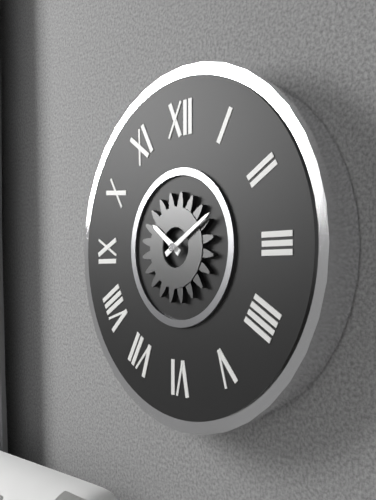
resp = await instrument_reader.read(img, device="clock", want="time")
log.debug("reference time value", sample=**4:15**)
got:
**10:10**
